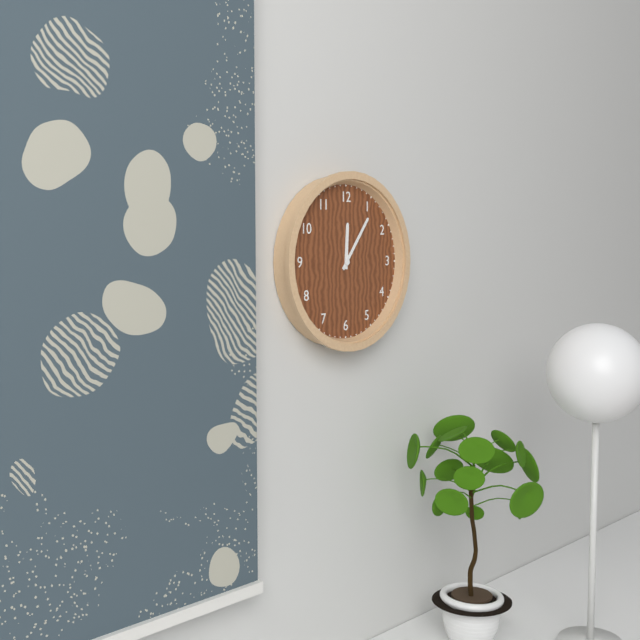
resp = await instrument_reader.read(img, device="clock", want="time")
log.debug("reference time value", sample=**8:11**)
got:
**12:06**
